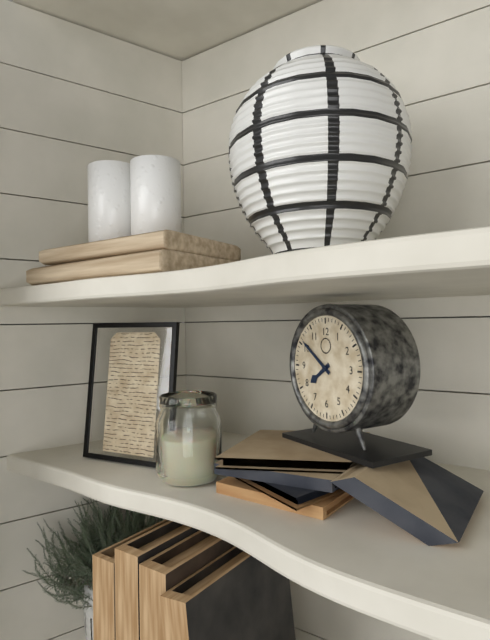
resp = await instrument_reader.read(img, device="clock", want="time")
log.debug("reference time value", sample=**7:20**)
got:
**7:51**
